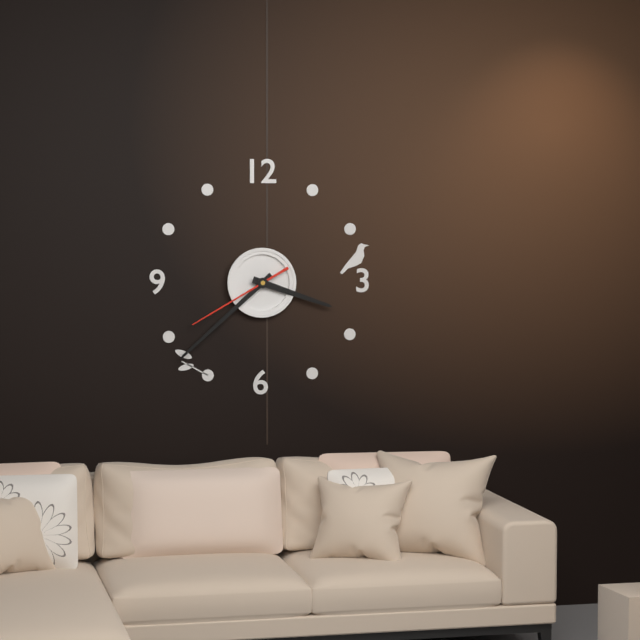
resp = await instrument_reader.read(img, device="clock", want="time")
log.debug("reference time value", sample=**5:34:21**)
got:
**3:38:40**
